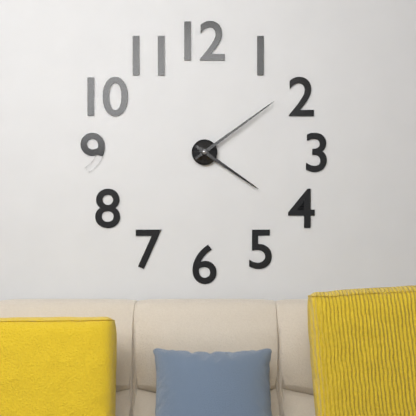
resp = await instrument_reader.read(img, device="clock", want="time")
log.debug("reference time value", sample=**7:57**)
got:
**4:09**
